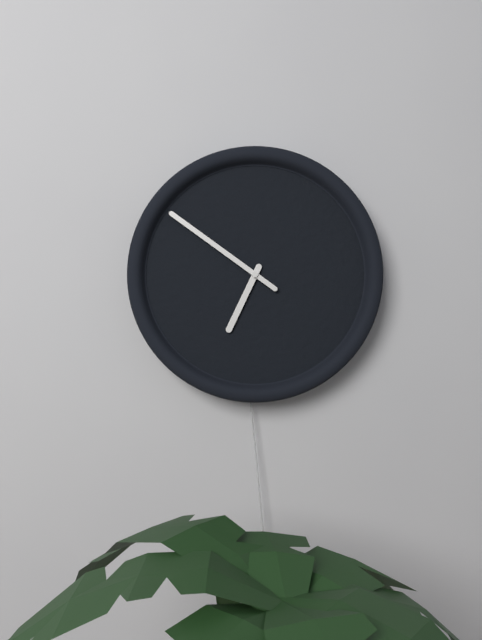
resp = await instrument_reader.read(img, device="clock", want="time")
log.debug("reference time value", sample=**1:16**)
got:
**6:51**
